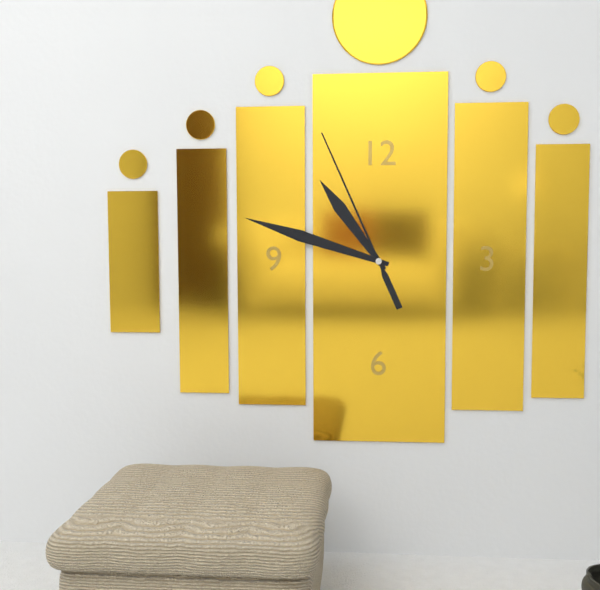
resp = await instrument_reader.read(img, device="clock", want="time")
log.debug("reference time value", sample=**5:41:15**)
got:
**10:48:56**
